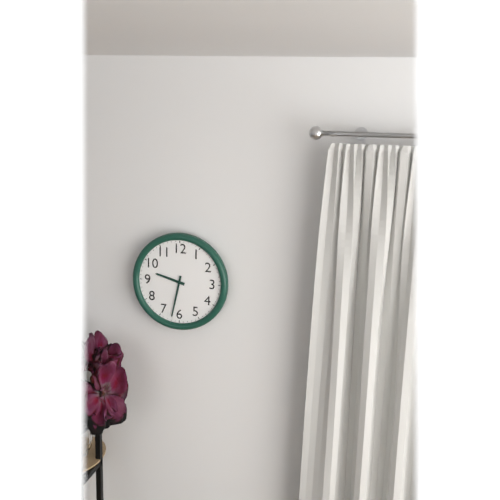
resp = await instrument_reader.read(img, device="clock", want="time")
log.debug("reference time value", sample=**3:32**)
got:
**9:32**
